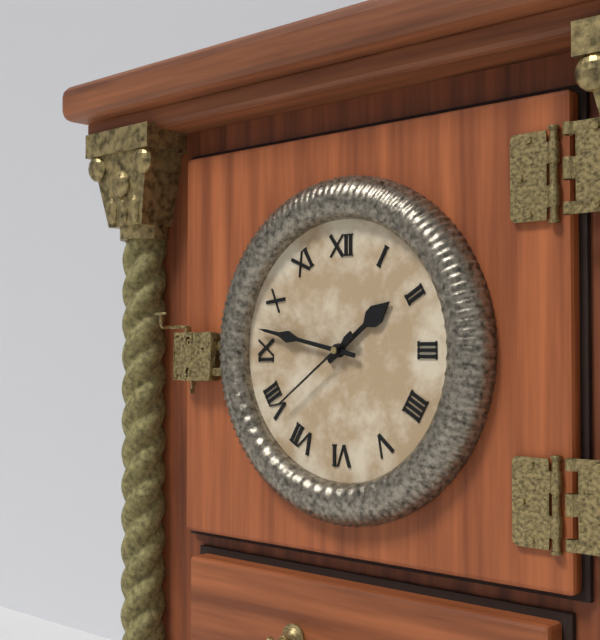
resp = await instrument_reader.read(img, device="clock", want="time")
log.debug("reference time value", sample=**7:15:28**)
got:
**1:47:39**
